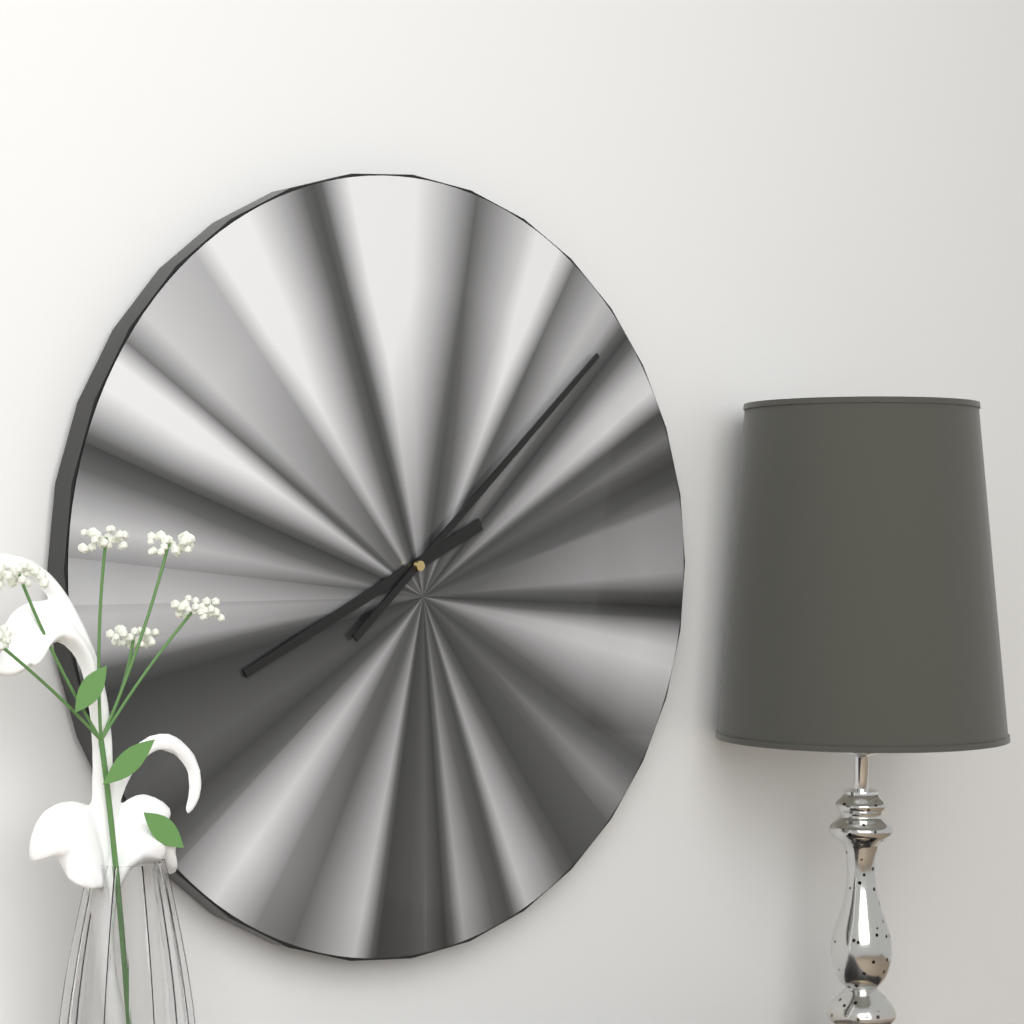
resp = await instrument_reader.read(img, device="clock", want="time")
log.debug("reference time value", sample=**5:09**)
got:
**8:08**
